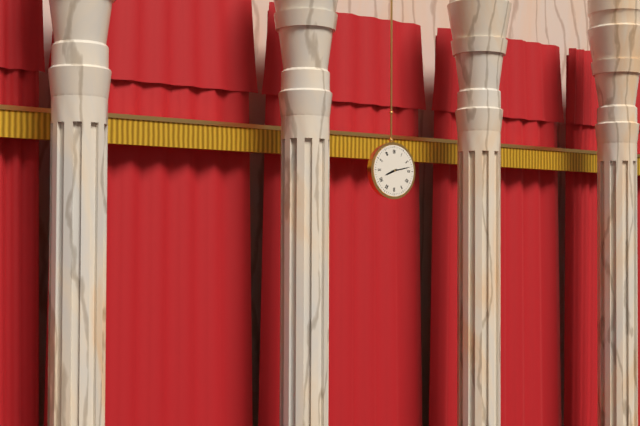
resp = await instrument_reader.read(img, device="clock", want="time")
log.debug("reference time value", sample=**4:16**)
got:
**8:13**
